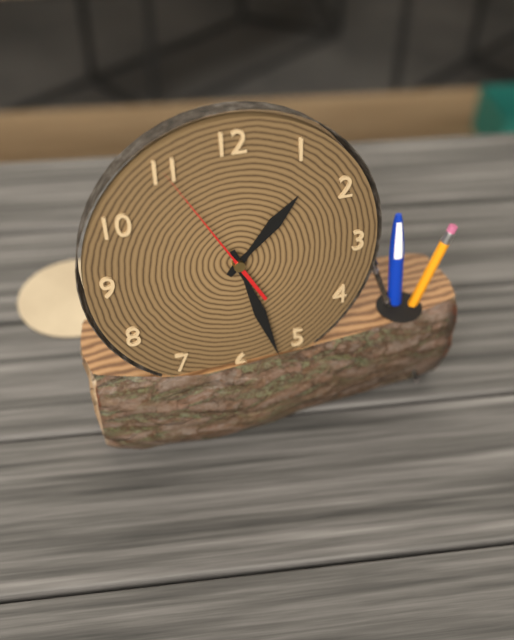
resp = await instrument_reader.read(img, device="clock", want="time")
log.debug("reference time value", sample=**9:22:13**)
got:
**1:27:55**
